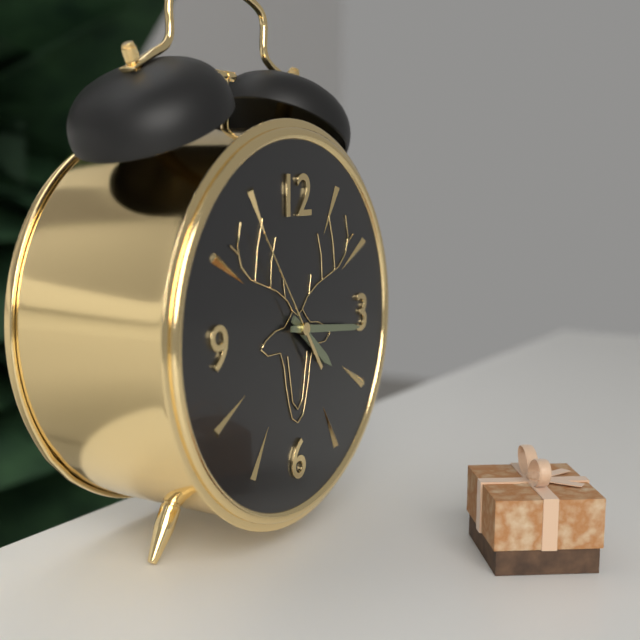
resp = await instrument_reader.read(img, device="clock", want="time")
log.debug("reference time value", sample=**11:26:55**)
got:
**4:16:54**
